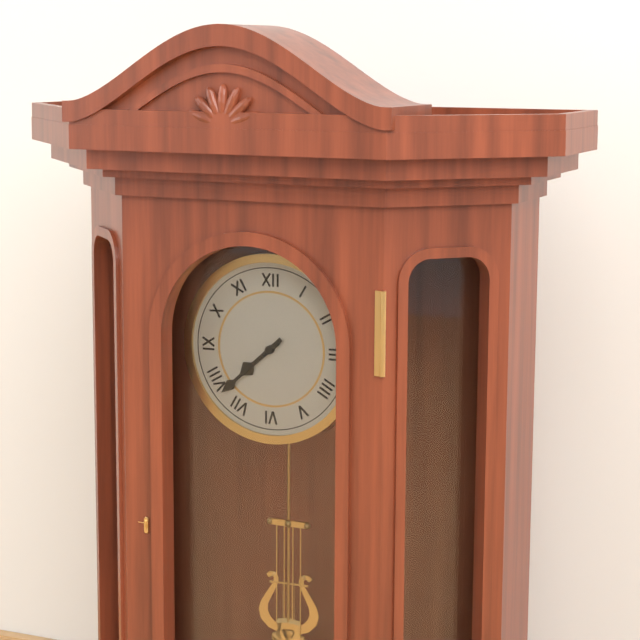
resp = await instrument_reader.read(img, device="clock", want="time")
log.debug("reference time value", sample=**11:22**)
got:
**7:38**
